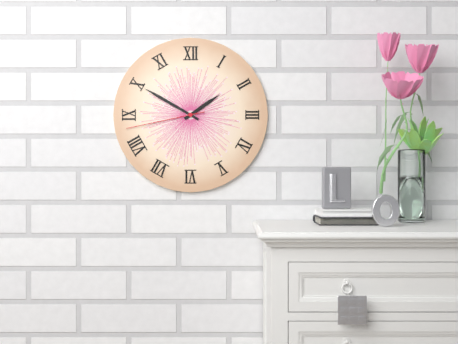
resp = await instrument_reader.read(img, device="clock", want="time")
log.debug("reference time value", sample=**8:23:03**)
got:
**1:50:43**
